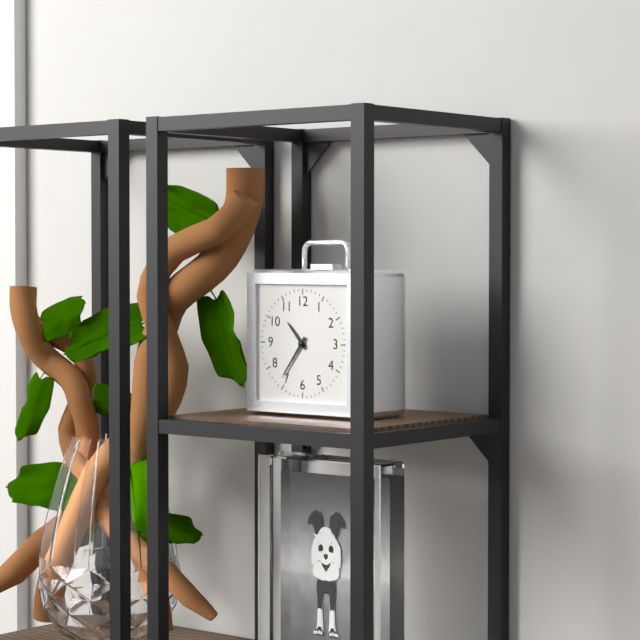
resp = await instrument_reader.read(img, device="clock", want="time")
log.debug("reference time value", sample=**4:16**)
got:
**10:36**
